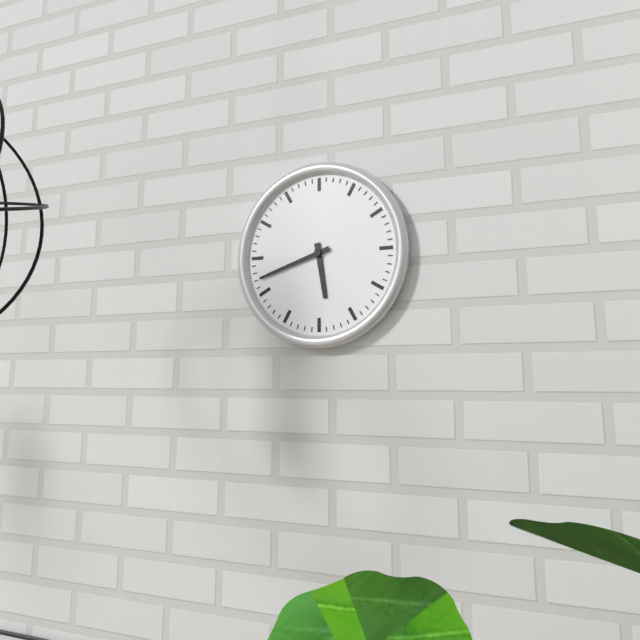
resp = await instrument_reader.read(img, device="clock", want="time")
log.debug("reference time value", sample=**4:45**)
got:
**5:42**
